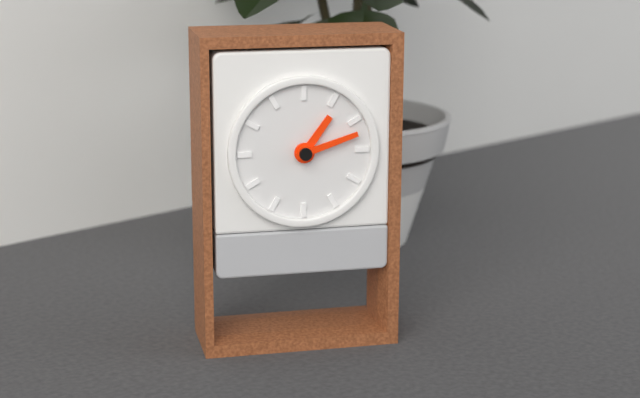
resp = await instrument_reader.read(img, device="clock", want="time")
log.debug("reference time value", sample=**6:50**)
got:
**1:12**
